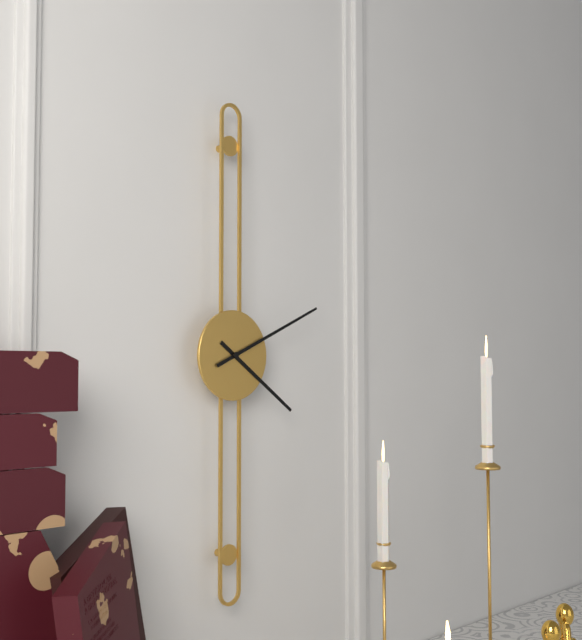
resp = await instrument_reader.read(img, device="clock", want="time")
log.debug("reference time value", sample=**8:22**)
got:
**4:11**
